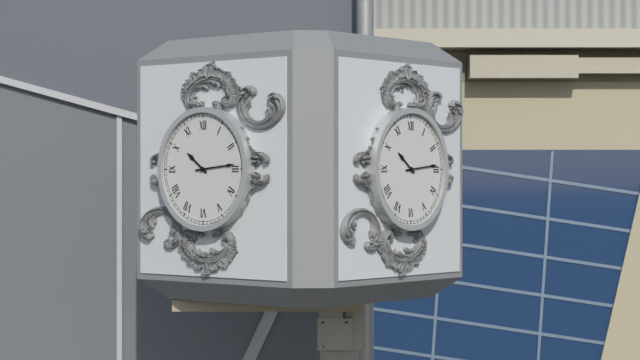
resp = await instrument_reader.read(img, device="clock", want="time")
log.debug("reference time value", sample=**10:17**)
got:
**10:14**
